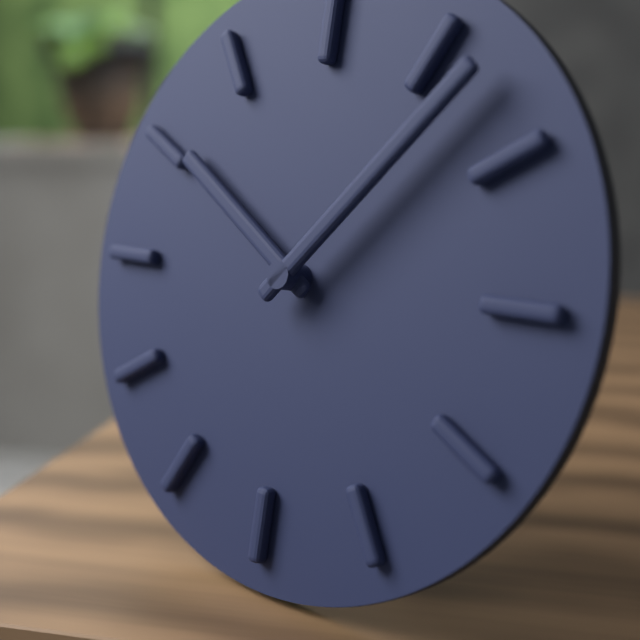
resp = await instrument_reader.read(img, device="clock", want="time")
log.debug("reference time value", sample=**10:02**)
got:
**10:07**
